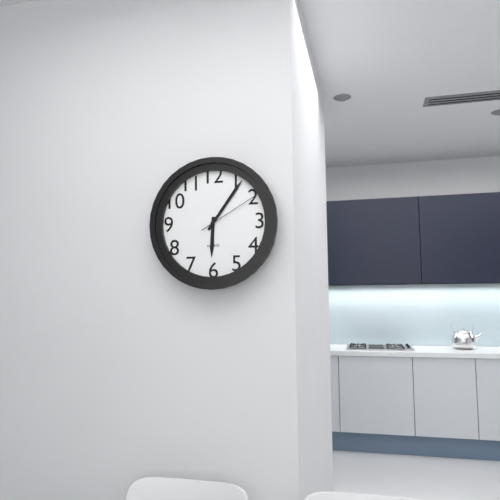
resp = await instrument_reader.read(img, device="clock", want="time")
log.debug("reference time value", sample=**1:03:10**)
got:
**6:06:10**
